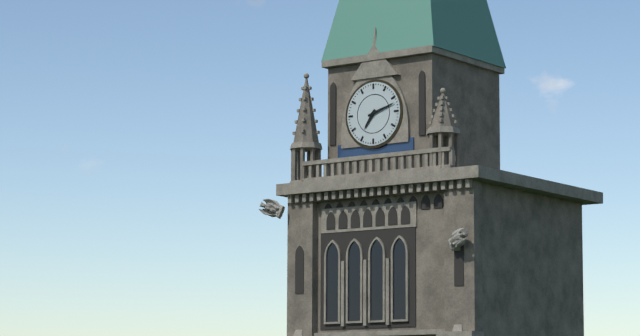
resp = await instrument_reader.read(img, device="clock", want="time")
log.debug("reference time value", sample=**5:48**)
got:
**7:12**
